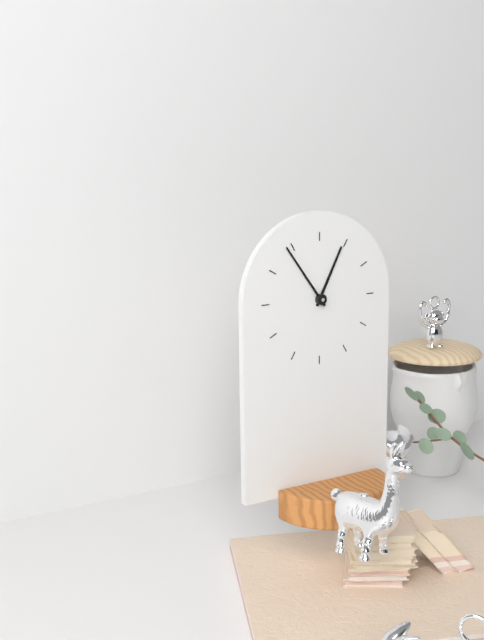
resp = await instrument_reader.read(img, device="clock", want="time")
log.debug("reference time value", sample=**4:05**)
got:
**12:54**
